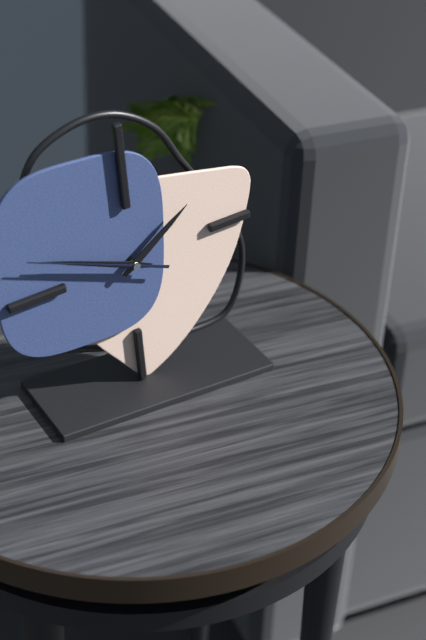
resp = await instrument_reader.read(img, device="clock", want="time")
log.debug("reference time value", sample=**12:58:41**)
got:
**1:49:49**
